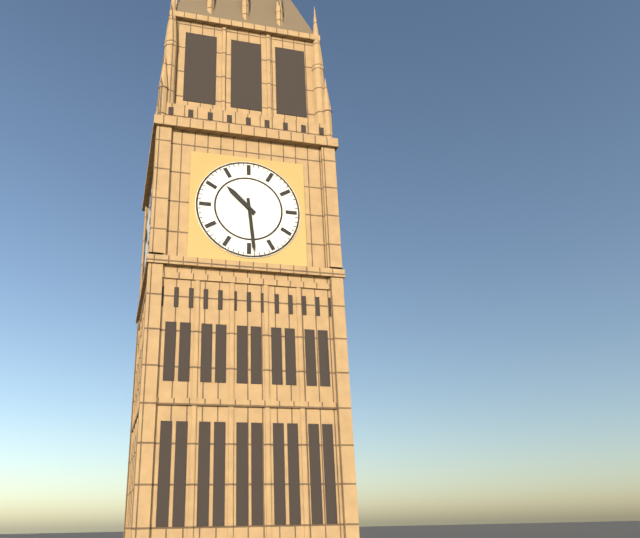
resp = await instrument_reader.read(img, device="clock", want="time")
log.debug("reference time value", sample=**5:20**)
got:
**10:29**
